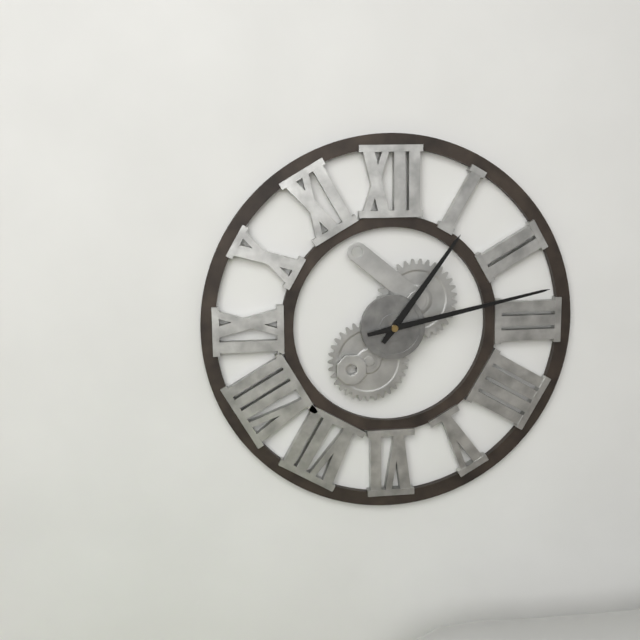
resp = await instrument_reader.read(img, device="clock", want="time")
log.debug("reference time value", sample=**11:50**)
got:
**1:13**
